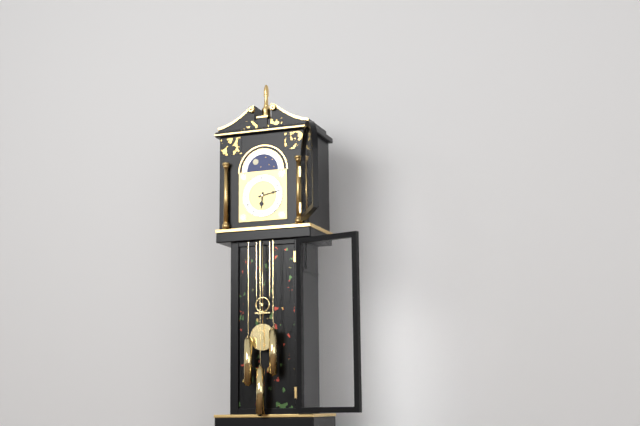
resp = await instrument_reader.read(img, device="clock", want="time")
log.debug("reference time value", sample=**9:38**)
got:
**6:13**
